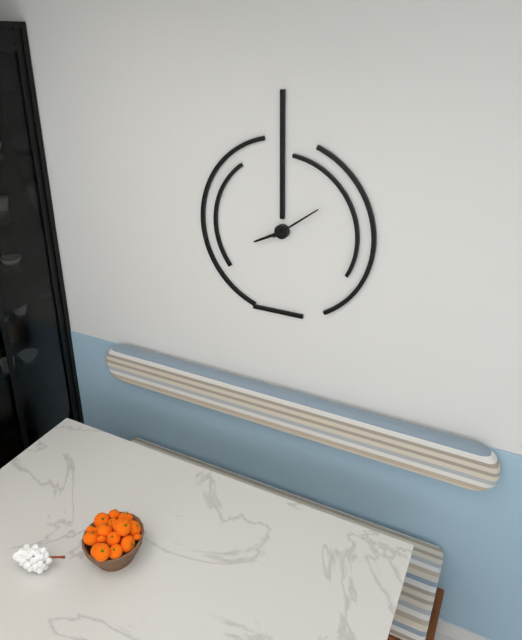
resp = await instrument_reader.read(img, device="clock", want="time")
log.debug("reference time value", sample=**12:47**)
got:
**8:09**
